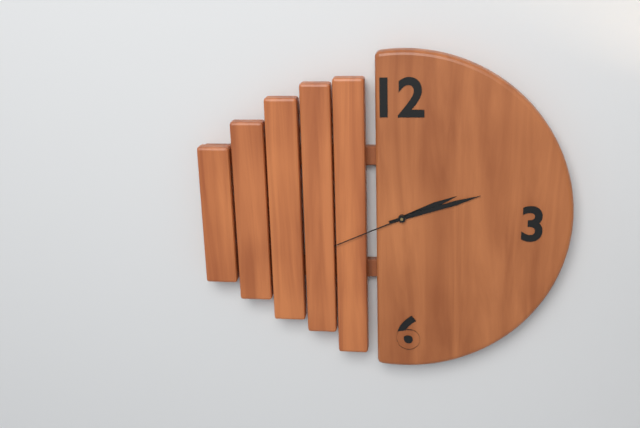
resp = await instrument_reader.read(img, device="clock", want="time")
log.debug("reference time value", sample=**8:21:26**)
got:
**2:12:41**
